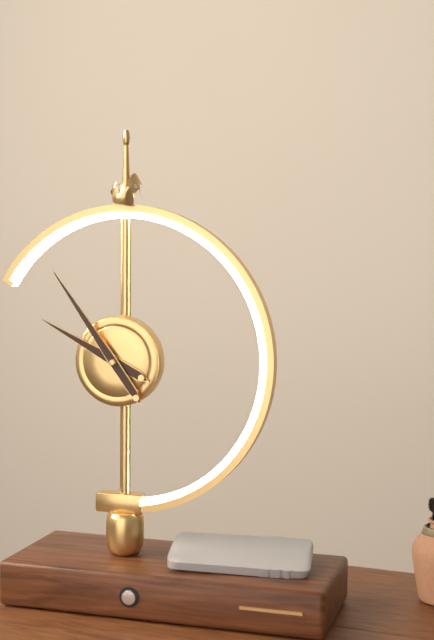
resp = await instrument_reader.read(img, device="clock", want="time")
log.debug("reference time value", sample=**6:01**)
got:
**9:54**
